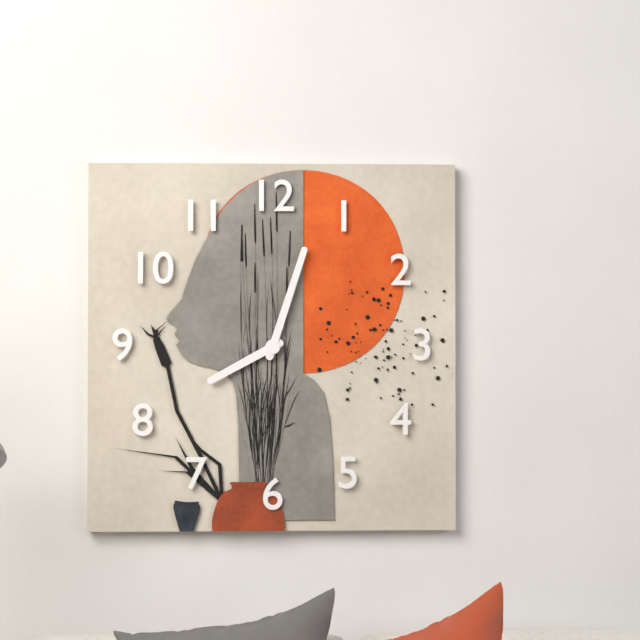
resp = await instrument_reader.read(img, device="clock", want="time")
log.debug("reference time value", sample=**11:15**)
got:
**8:03**
